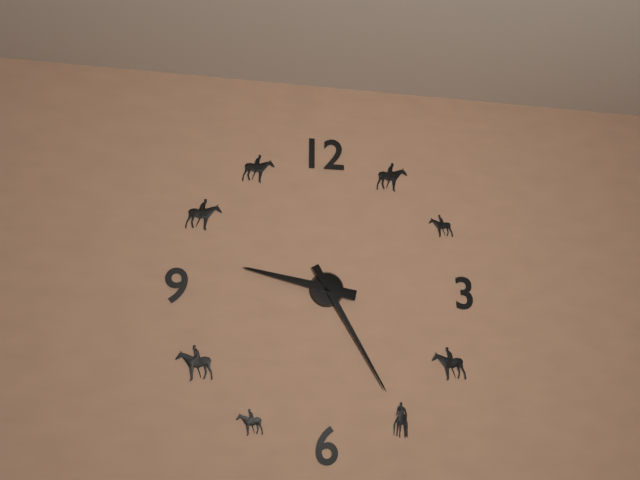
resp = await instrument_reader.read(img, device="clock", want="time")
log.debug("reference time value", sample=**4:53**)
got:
**9:25**
